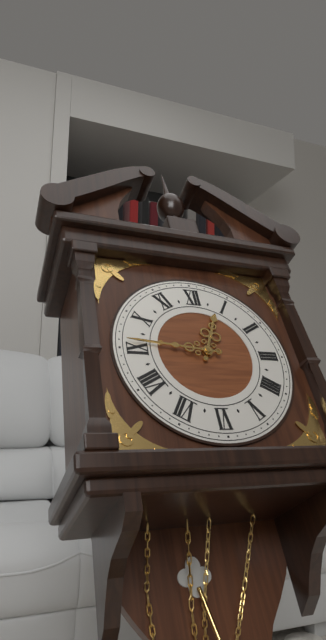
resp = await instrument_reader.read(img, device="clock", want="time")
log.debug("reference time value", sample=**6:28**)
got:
**12:46**
